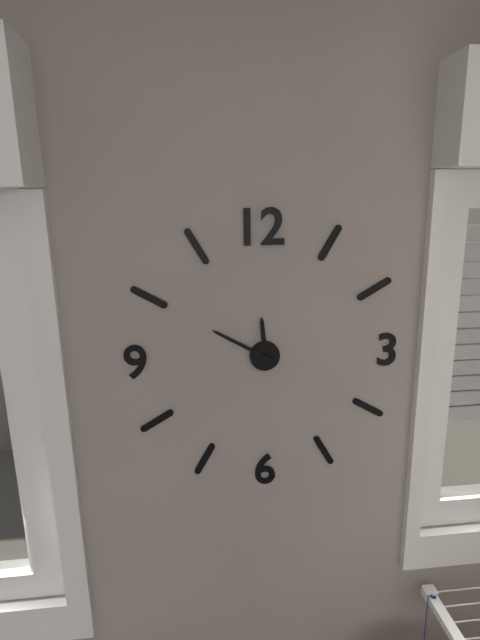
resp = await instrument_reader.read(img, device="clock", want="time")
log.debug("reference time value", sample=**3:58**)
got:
**11:50**
